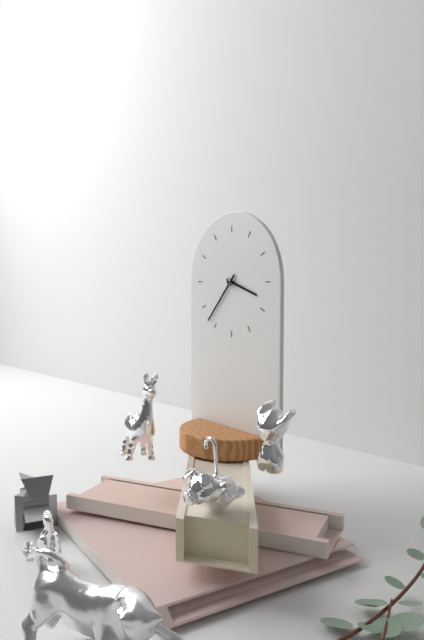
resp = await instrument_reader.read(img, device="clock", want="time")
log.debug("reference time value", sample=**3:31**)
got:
**3:37**
